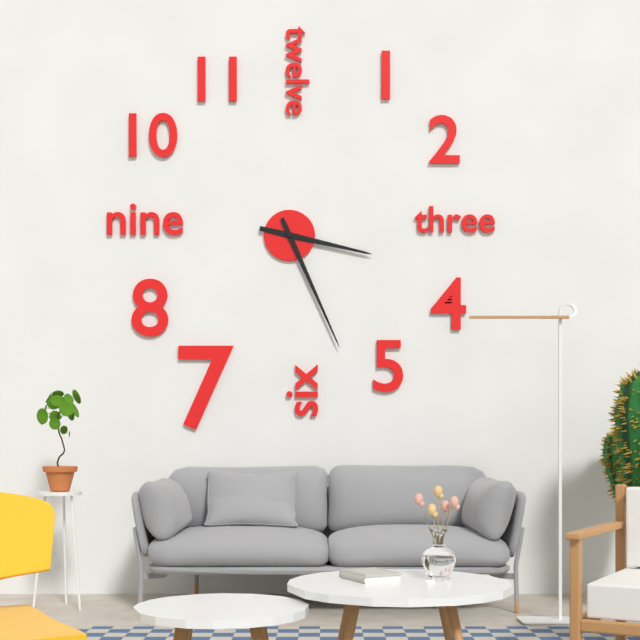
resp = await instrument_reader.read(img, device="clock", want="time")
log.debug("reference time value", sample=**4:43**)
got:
**3:26**
